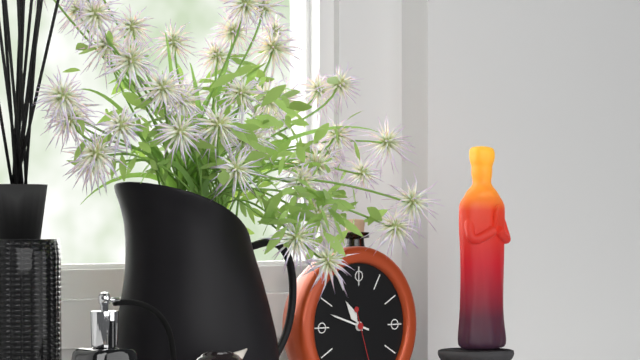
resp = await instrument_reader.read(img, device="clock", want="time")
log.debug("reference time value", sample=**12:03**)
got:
**10:48**
